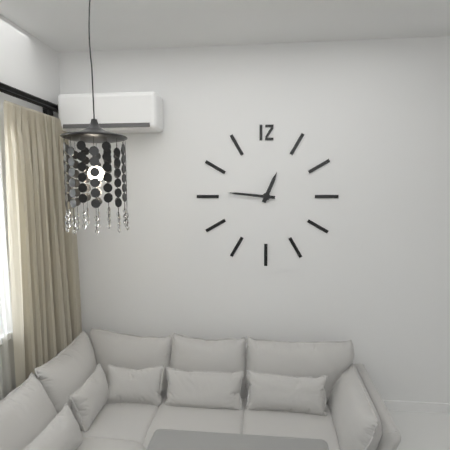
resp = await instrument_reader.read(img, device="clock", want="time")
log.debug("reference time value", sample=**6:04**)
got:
**12:46**
